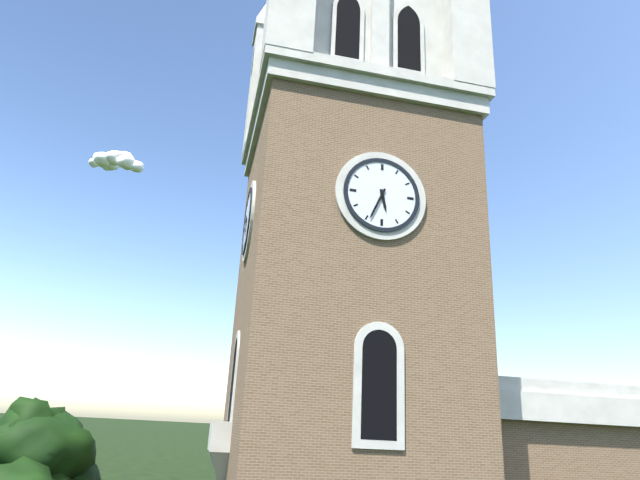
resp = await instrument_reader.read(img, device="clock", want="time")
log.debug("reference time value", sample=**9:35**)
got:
**5:34**
